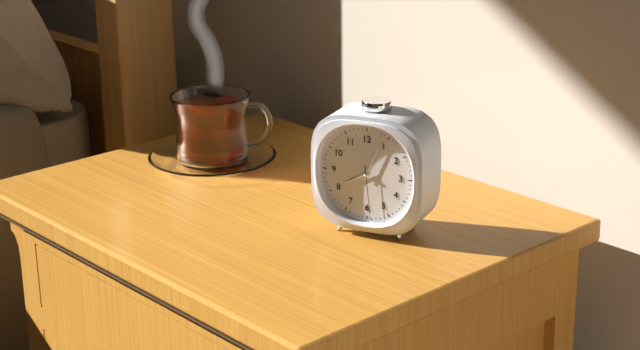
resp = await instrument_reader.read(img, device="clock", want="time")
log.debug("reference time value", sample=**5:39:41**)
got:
**8:04:29**
